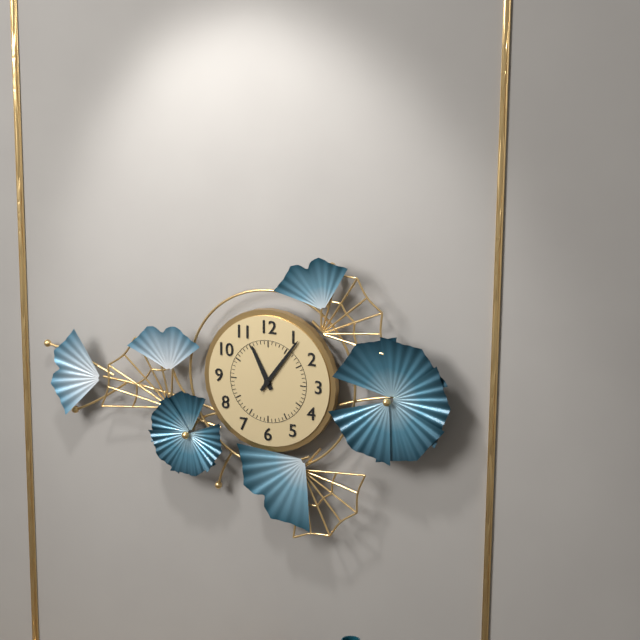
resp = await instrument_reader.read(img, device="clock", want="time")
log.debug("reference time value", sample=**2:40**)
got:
**11:06**
